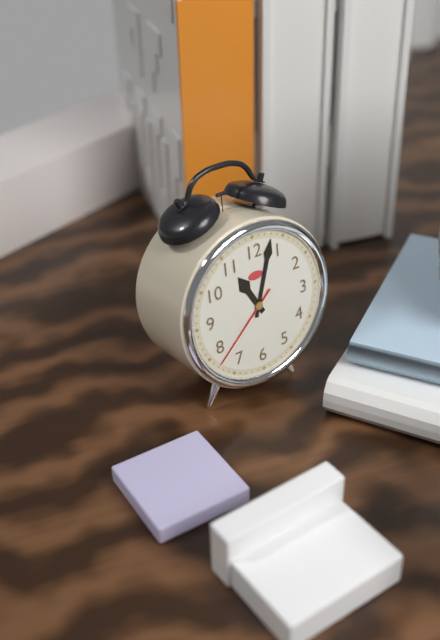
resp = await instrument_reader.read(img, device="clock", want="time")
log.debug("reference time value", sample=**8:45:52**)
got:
**11:03:38**
